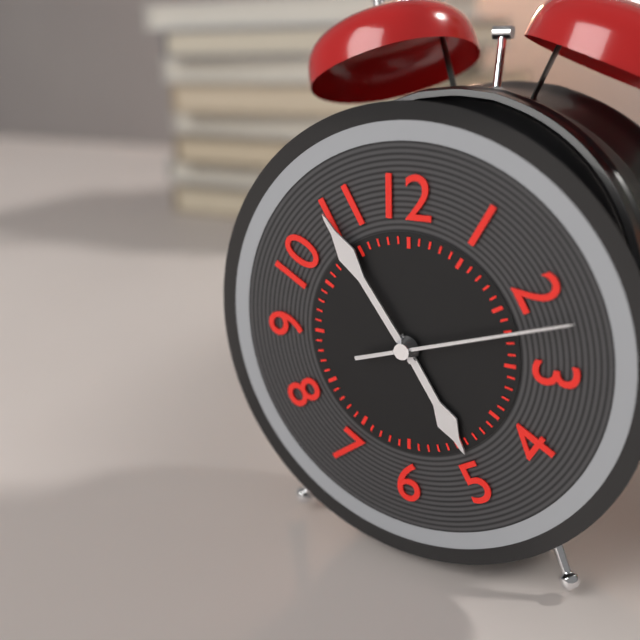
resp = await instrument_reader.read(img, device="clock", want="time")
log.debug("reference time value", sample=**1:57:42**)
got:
**4:54:12**
